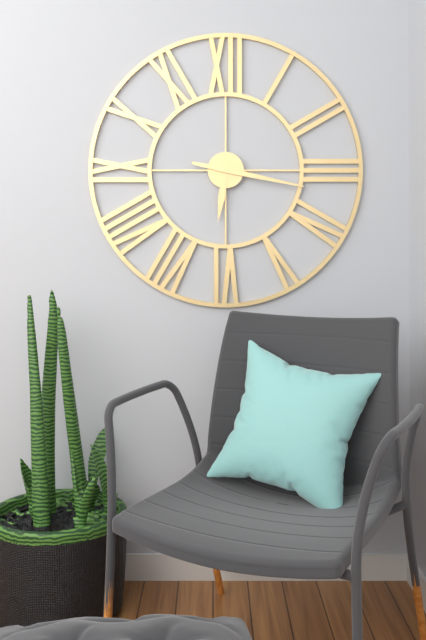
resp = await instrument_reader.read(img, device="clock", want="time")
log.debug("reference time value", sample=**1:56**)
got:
**6:17**
